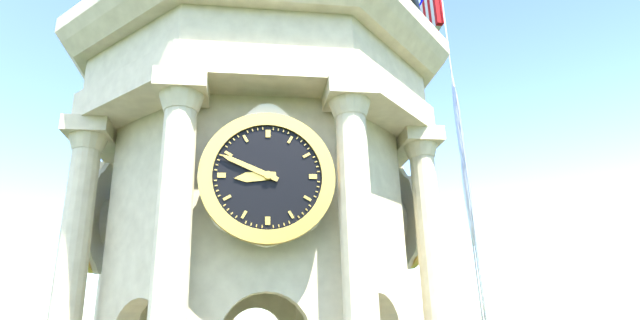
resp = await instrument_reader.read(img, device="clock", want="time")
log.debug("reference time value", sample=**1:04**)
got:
**8:49**
